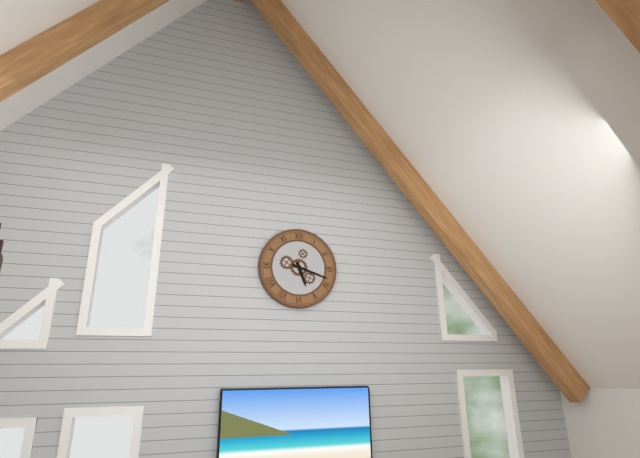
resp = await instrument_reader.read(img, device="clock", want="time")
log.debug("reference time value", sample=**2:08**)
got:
**5:18**
